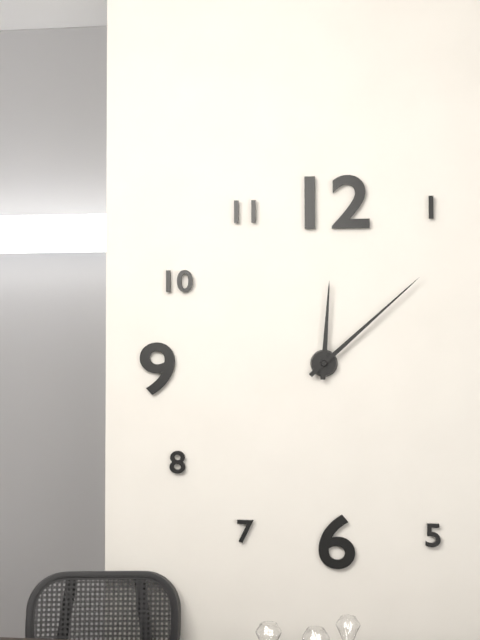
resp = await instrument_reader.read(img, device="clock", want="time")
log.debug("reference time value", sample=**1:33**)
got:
**12:08**
